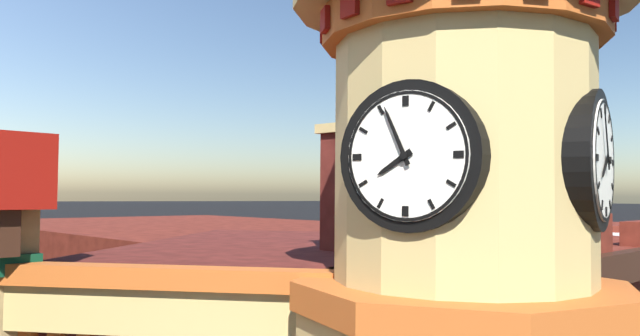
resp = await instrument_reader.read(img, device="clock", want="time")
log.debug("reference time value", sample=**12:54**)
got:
**7:56**
